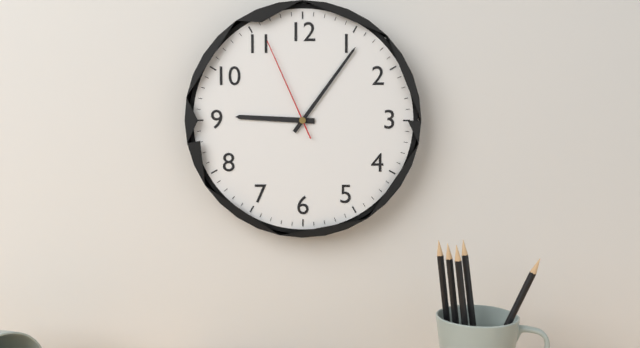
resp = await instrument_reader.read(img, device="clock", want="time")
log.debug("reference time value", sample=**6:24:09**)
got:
**9:06:56**
